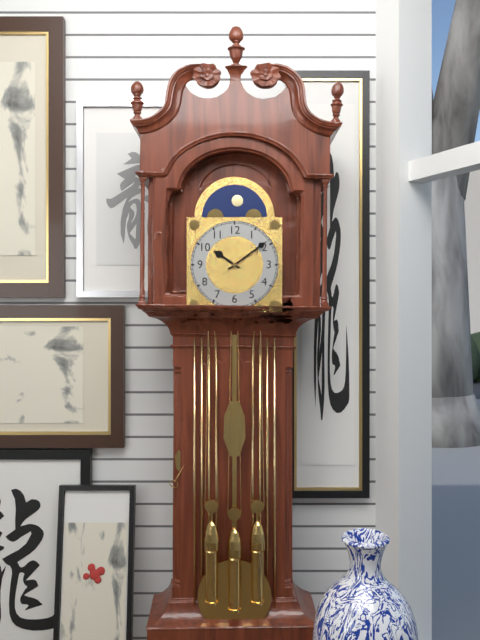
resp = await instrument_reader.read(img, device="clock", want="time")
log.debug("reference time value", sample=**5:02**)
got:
**10:09**
